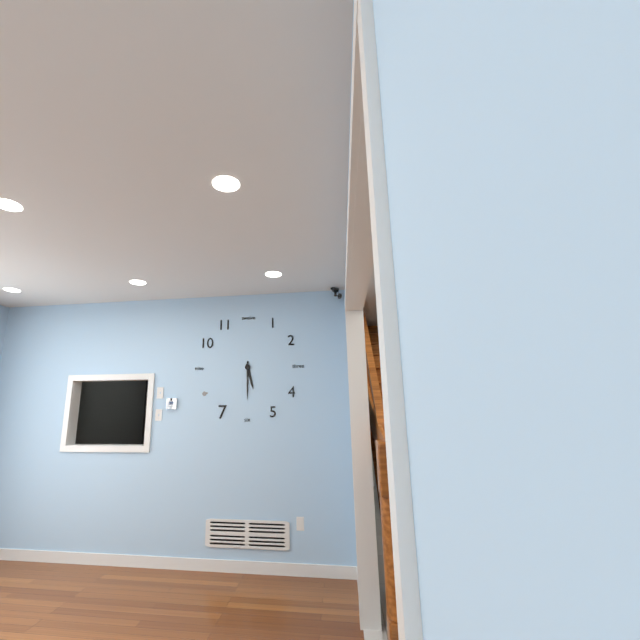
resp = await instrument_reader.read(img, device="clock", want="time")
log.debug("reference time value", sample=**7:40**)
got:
**5:30**
